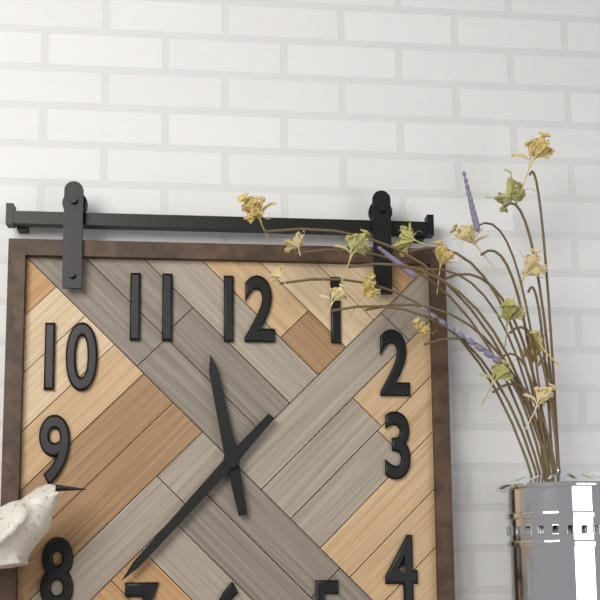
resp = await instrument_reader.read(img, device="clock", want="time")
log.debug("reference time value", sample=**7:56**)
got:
**11:37**
